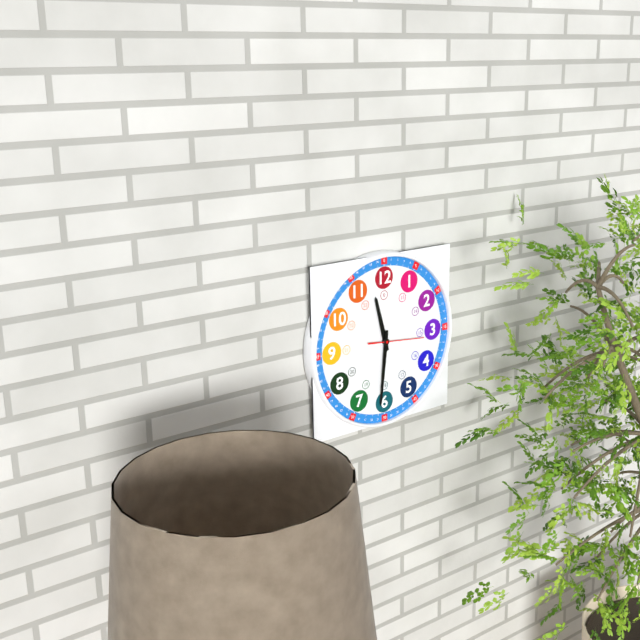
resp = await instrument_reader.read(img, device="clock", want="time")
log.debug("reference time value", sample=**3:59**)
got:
**11:31**
